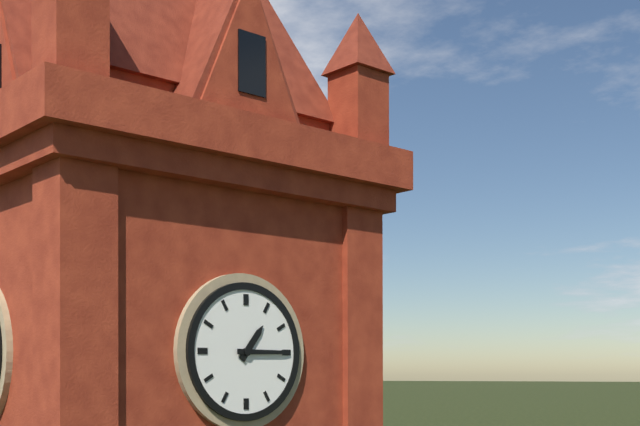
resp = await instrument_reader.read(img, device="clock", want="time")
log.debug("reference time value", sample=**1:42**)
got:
**1:15**
